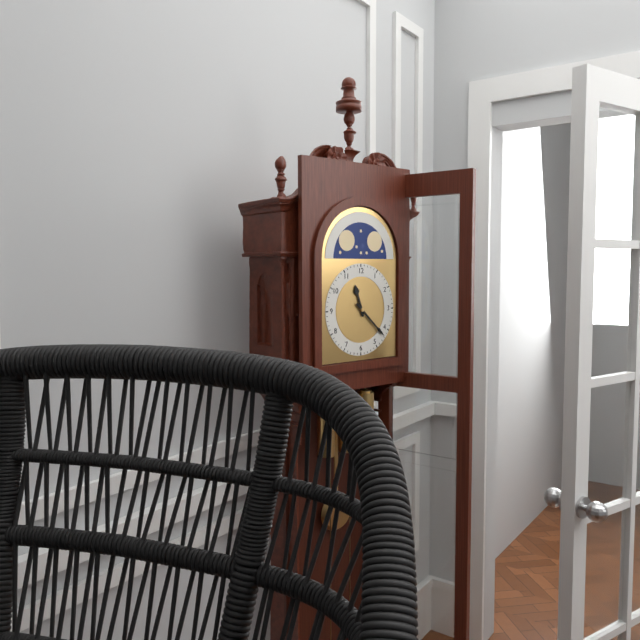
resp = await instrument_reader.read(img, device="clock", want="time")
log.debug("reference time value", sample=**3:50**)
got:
**11:22**
